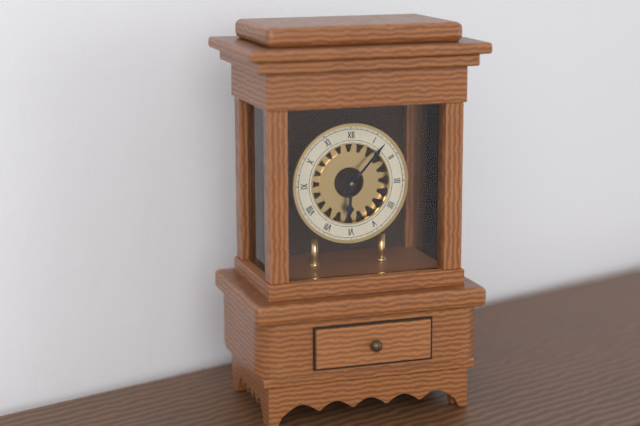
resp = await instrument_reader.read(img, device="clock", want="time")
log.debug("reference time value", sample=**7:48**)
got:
**6:07**
